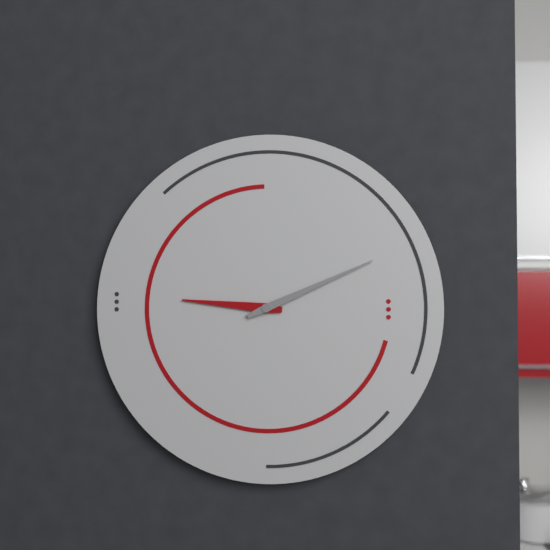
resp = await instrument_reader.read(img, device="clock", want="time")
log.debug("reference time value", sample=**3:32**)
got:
**9:11**
